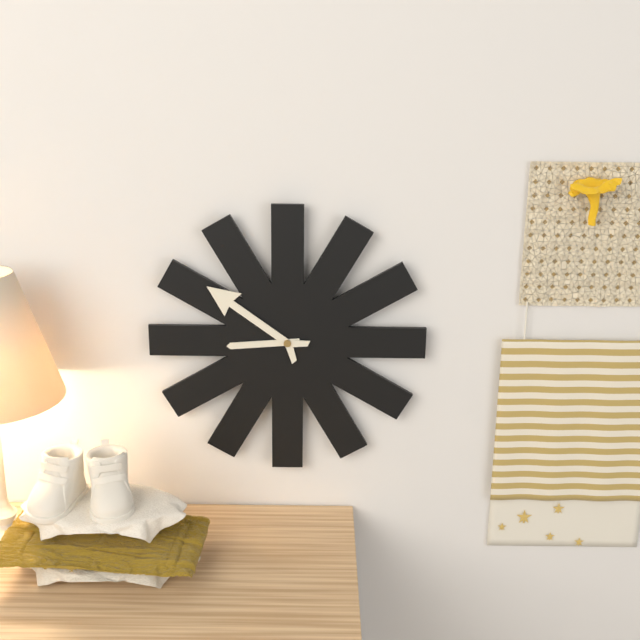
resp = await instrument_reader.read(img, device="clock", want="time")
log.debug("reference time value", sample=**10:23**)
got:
**8:51**
